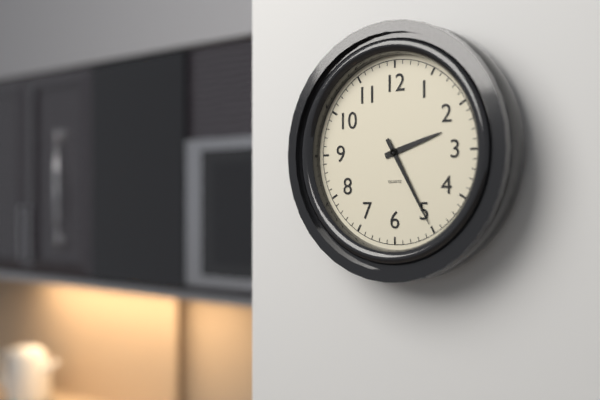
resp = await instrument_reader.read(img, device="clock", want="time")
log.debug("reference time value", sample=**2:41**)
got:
**2:25**
